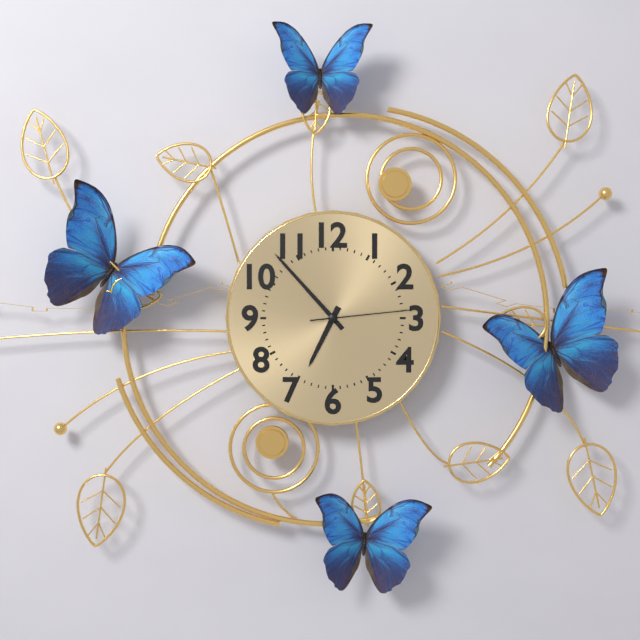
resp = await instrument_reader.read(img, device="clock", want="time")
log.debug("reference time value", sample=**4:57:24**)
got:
**6:53:14**
